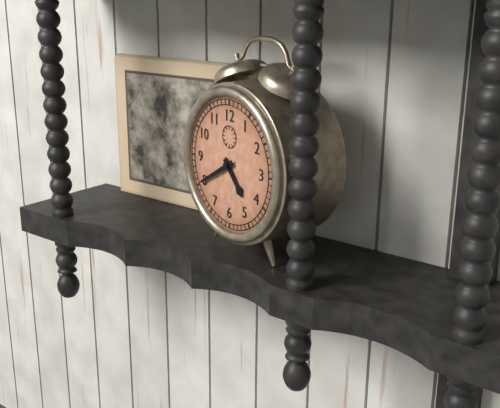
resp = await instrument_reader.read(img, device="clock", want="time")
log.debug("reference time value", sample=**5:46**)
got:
**4:40**
